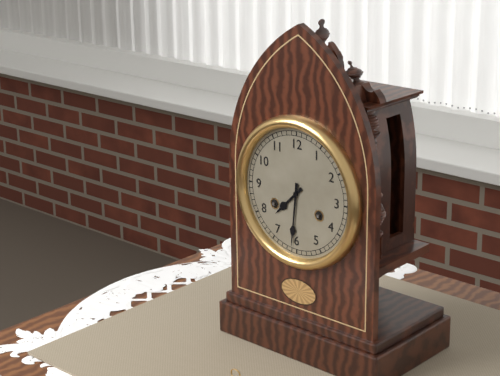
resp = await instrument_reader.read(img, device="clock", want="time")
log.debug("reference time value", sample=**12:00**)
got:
**7:31**
